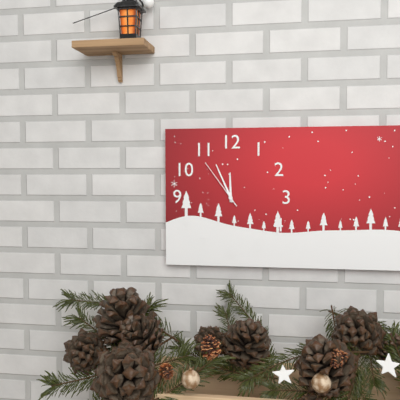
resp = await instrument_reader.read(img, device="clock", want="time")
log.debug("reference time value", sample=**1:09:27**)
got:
**11:56:54**
